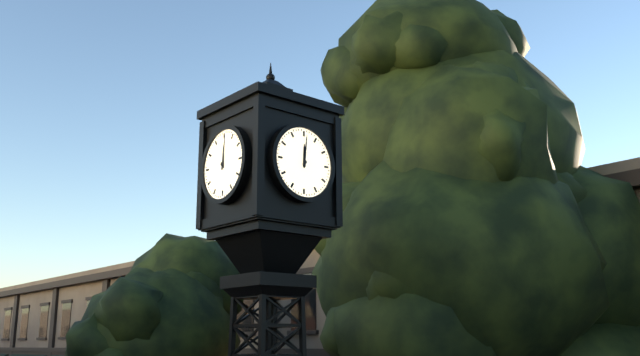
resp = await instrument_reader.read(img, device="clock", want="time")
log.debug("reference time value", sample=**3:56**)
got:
**12:01**
